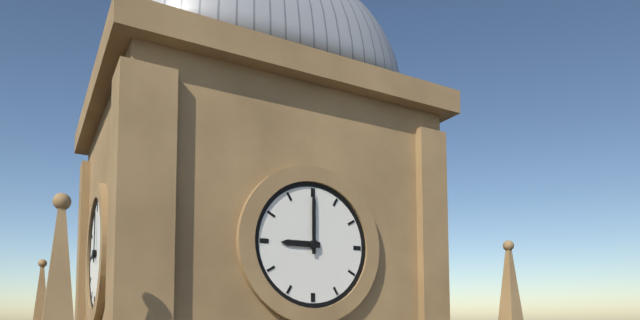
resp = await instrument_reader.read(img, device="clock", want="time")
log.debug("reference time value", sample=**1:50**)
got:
**9:00**
